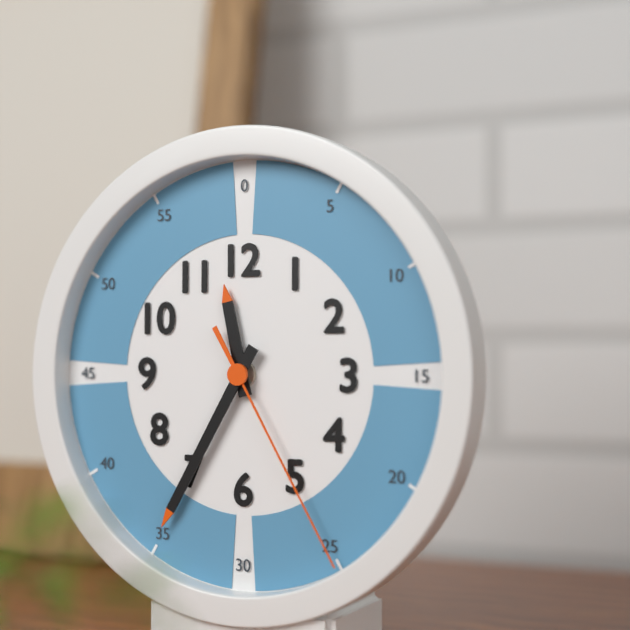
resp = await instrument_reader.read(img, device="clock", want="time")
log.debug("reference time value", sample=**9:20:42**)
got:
**11:35:25**
